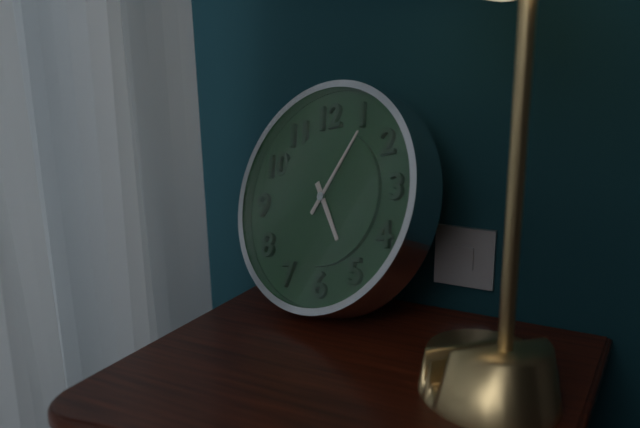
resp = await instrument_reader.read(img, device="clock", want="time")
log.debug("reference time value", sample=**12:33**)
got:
**5:06**
